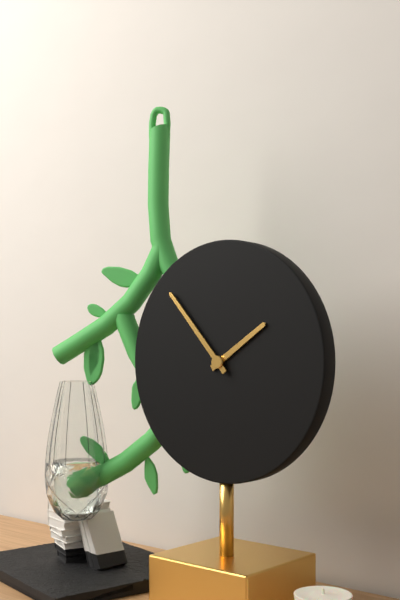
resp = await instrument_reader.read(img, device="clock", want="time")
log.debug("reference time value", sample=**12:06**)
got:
**1:53**
